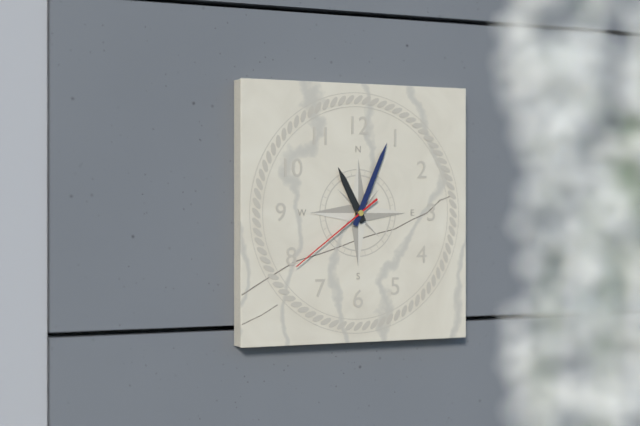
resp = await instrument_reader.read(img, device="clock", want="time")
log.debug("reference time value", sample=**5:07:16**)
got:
**11:04:39**
